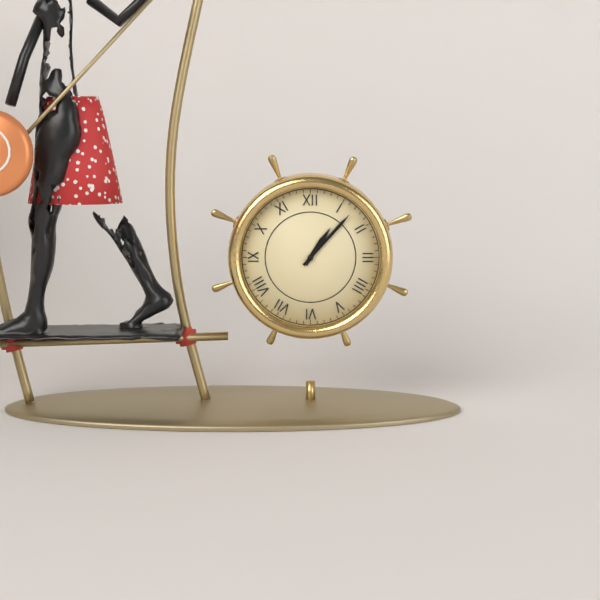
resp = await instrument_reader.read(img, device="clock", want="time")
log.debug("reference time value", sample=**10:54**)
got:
**1:07**
